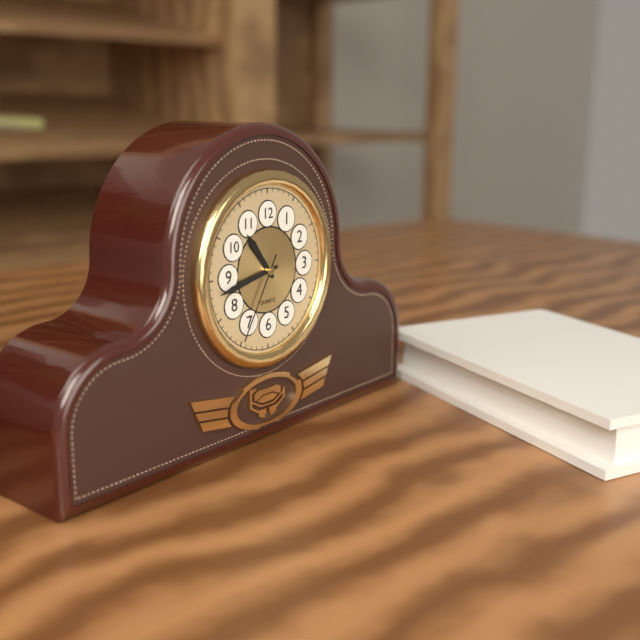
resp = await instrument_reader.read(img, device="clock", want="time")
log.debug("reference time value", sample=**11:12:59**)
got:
**10:43:35**
